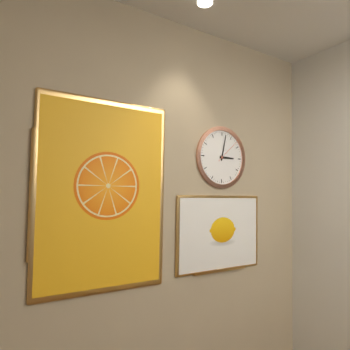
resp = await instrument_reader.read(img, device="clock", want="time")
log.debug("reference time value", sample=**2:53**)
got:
**3:02**
